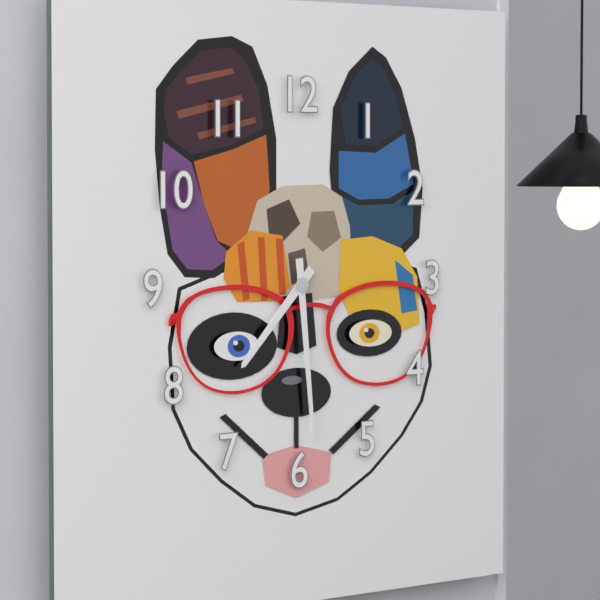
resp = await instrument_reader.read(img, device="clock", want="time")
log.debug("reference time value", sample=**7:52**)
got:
**7:29**
